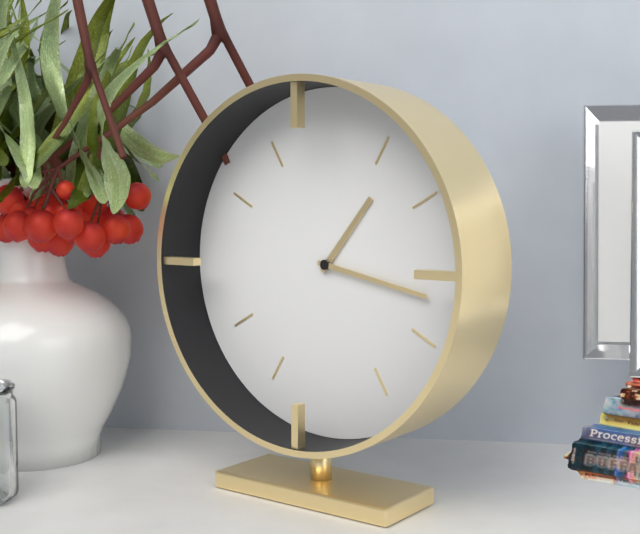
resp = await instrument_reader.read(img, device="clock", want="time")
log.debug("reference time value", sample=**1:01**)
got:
**1:17**
